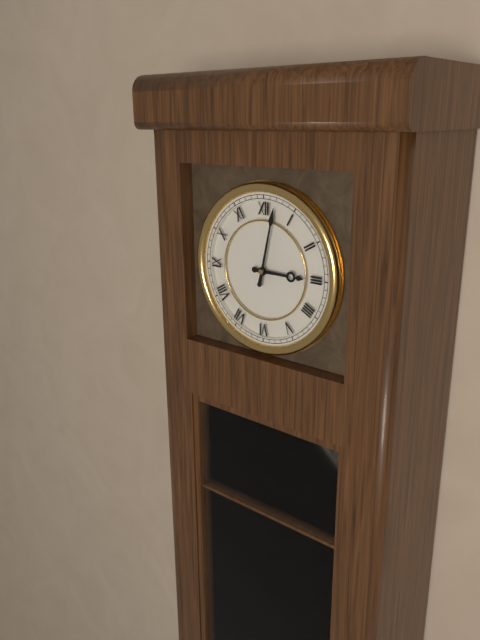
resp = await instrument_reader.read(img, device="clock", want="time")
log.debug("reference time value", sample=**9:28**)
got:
**3:02**
